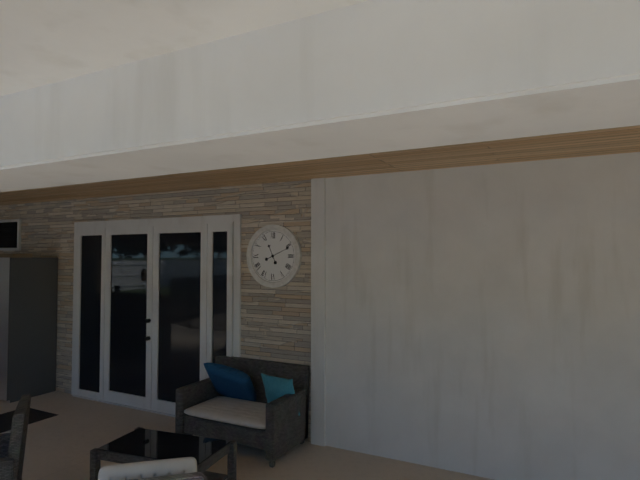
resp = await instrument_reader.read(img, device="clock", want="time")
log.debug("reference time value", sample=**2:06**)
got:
**11:11**
